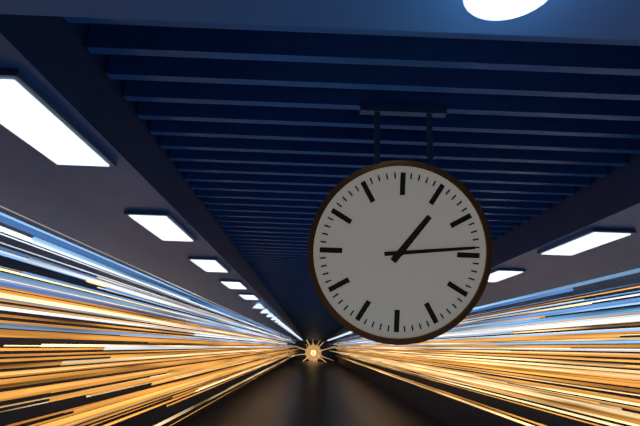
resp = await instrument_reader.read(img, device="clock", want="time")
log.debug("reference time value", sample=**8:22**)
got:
**1:14**
